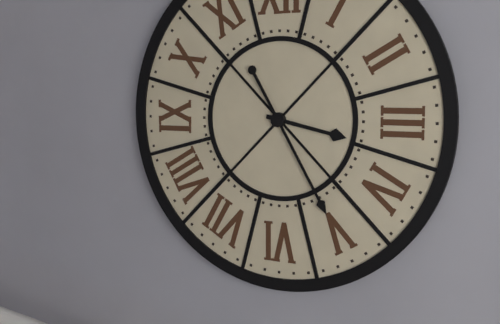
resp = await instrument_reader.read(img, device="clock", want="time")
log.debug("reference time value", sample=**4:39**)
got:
**3:25**
